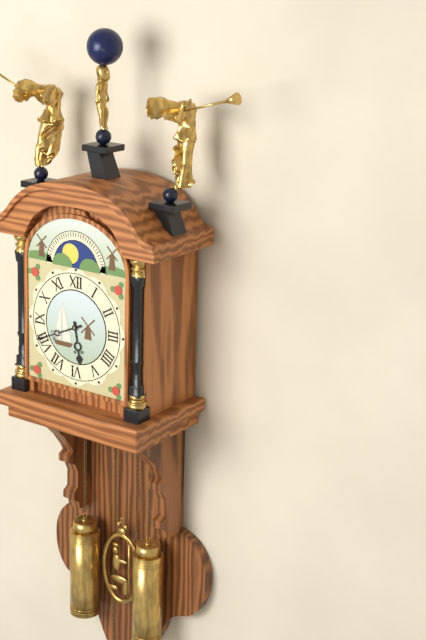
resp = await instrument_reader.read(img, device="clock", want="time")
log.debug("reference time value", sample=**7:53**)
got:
**5:41**
